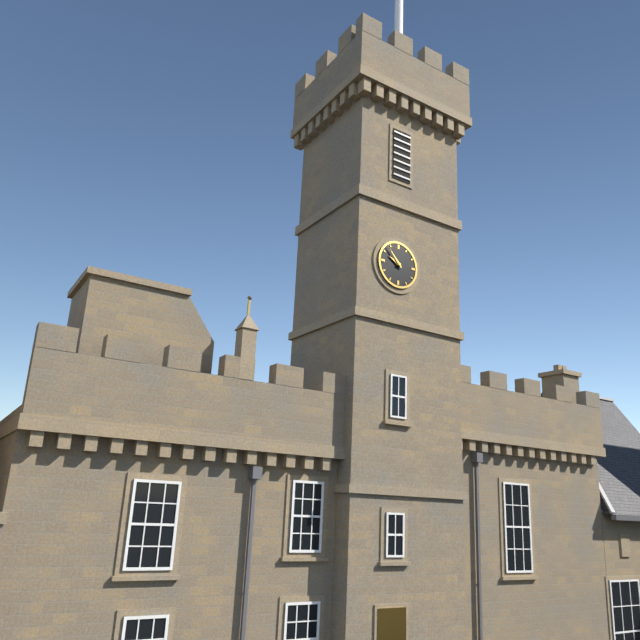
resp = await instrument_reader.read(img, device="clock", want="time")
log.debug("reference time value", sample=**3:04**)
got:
**9:53**
